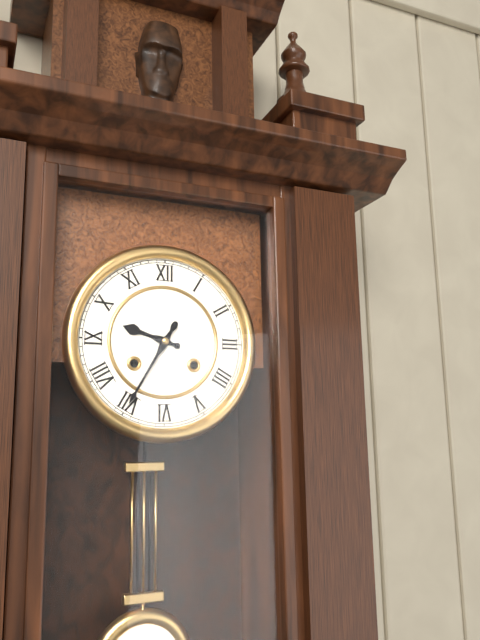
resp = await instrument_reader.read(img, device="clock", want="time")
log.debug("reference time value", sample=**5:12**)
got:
**9:35**
